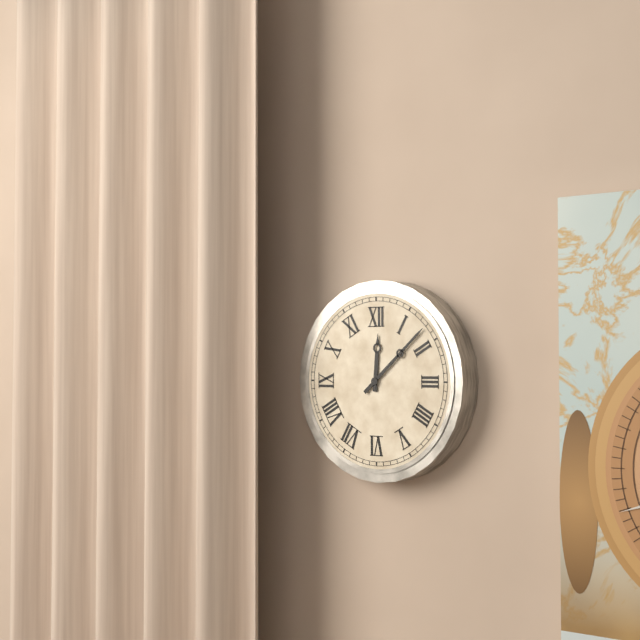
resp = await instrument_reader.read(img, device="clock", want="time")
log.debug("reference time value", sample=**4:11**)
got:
**12:08**
